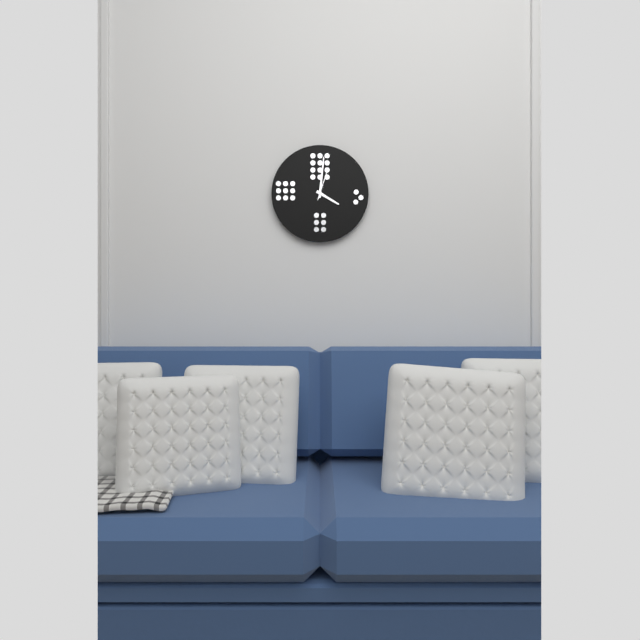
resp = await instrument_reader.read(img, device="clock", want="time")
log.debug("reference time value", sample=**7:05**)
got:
**4:01**
